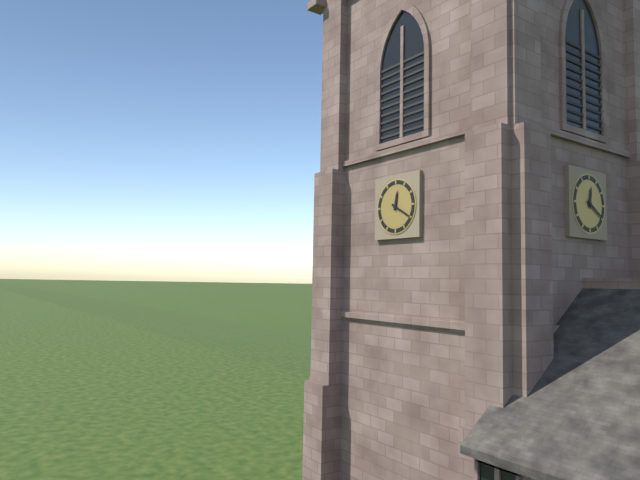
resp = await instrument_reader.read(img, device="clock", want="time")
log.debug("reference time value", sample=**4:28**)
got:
**12:20**
